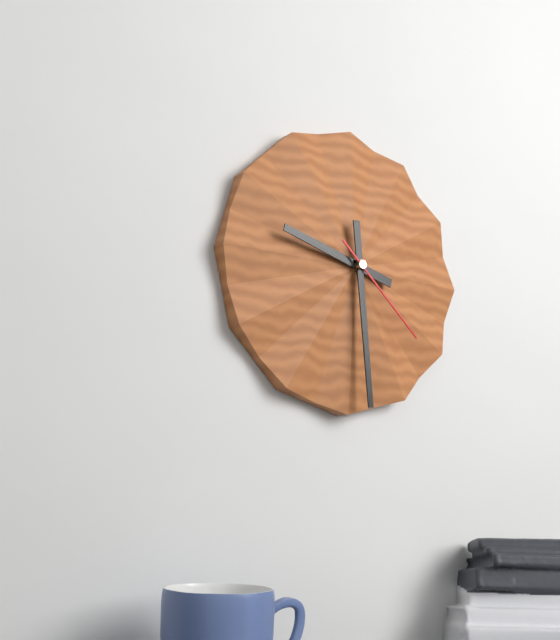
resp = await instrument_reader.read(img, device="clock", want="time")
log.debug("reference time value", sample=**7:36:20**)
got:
**9:29:22**
